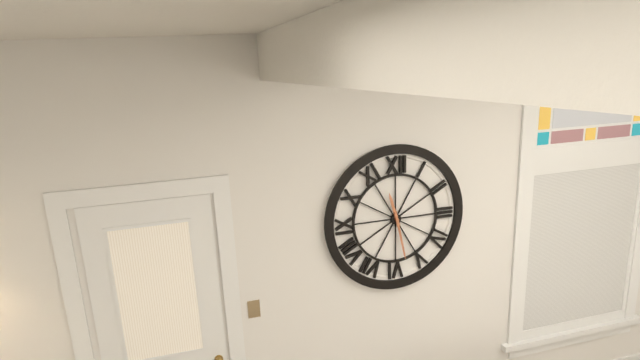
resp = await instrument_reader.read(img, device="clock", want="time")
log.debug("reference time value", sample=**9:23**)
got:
**11:28**
